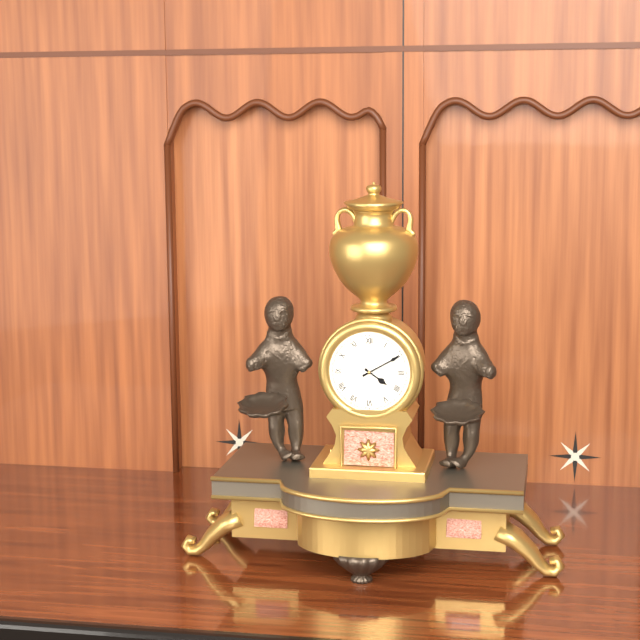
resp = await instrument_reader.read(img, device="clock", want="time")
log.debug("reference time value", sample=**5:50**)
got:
**4:10**
